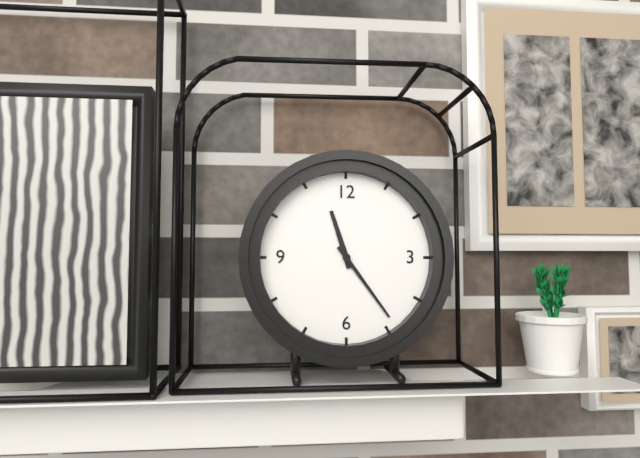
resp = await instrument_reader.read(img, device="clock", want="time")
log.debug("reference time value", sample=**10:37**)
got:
**11:24**
